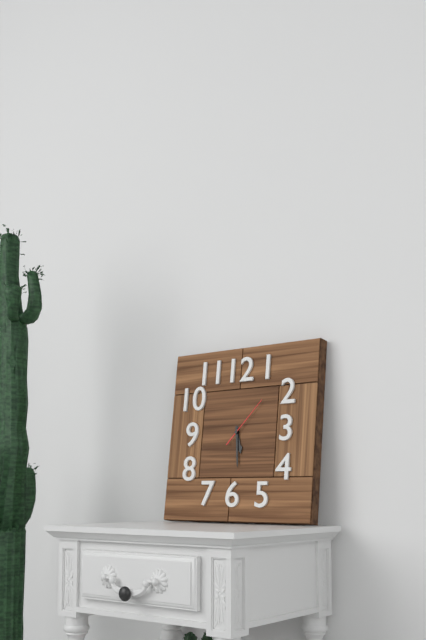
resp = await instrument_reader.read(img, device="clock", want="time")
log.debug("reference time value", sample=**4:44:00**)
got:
**5:29:07**
